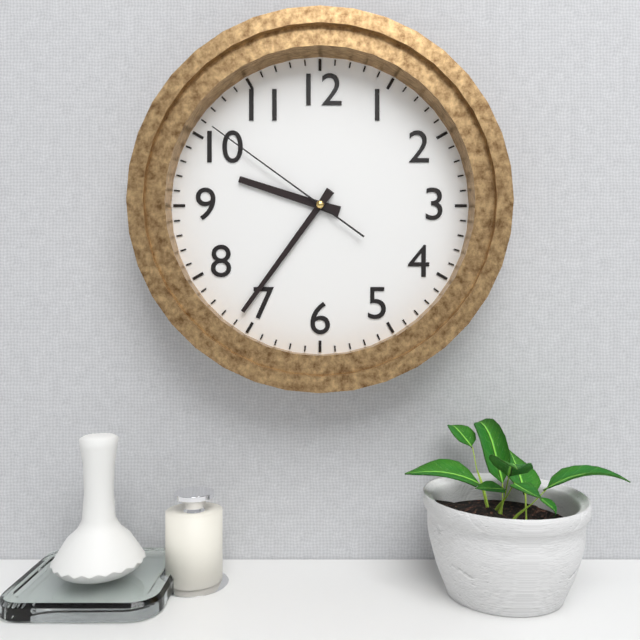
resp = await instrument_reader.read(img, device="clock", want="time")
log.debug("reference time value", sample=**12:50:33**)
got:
**9:36:51**
